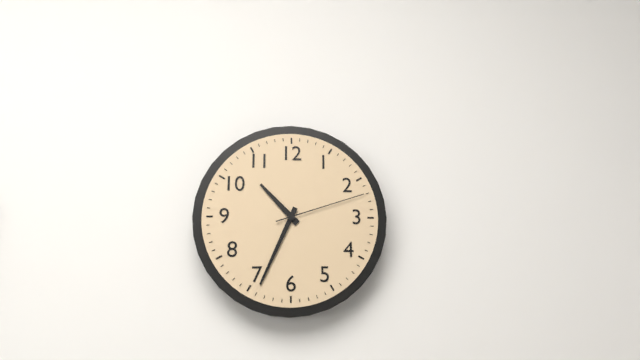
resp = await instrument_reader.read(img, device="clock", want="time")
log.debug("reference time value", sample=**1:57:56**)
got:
**10:34:12**
